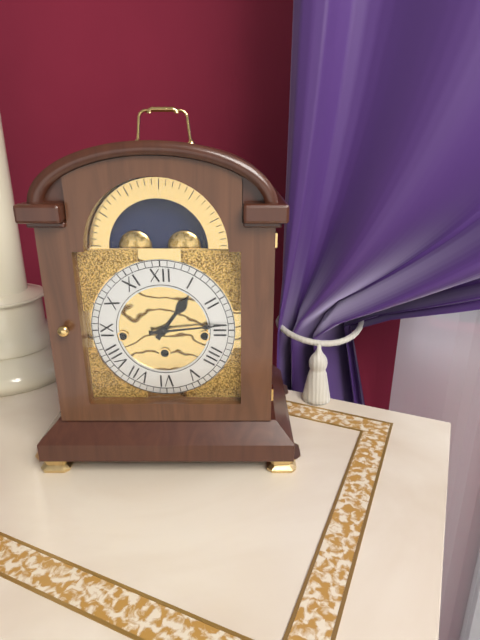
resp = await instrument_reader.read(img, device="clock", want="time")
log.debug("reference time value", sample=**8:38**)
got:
**1:14**
